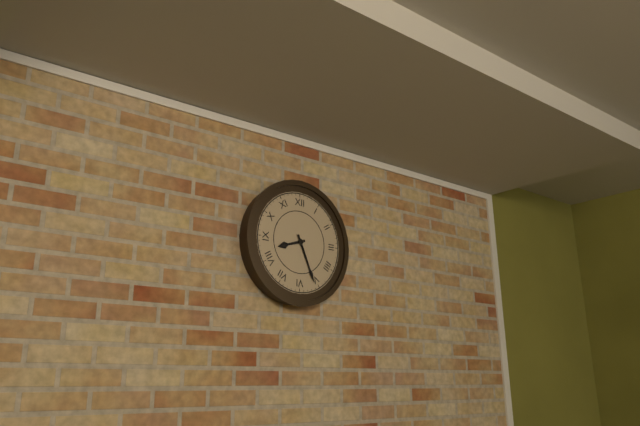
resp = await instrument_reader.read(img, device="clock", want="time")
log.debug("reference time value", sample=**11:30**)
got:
**8:26**
